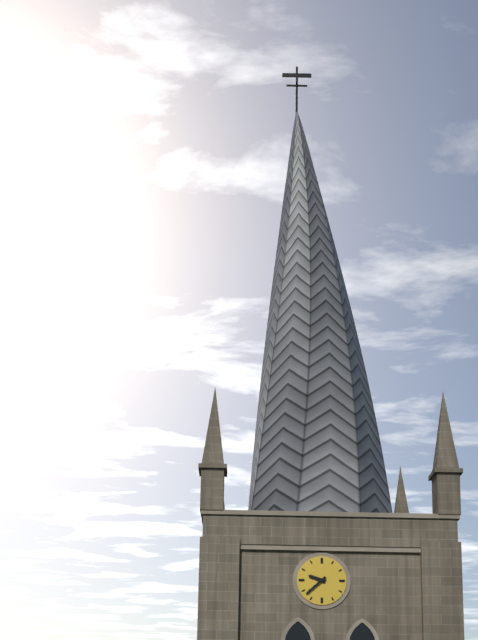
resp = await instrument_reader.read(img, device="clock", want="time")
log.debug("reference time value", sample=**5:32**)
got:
**9:38**
